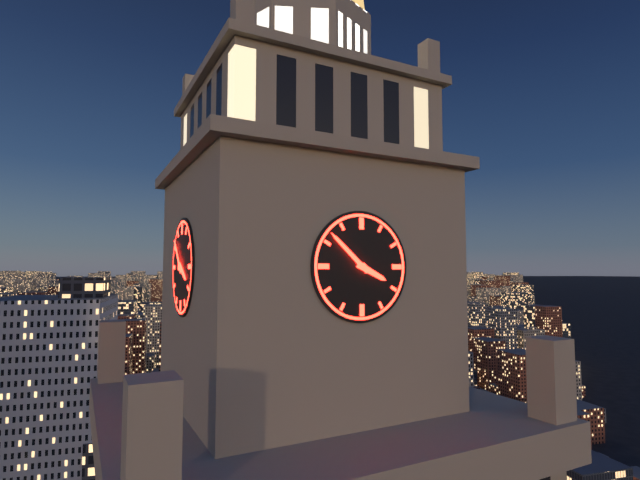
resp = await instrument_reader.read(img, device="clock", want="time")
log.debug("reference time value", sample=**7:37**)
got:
**3:52**
